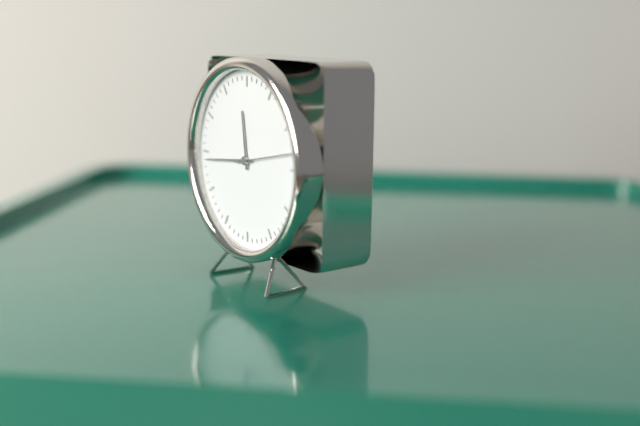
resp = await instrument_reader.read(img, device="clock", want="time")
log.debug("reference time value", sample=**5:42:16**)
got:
**11:44:13**
